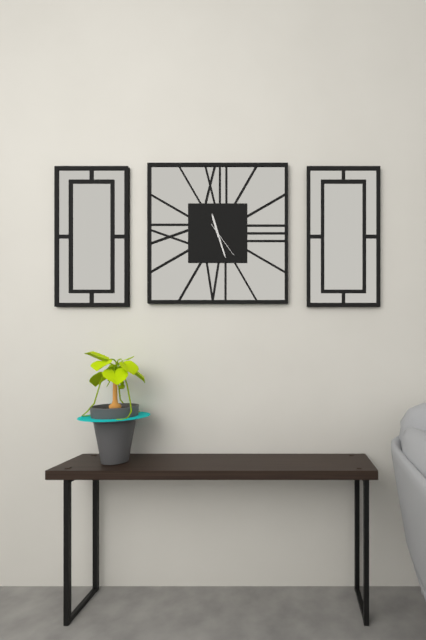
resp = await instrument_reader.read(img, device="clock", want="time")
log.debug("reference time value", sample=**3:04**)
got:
**11:27**
